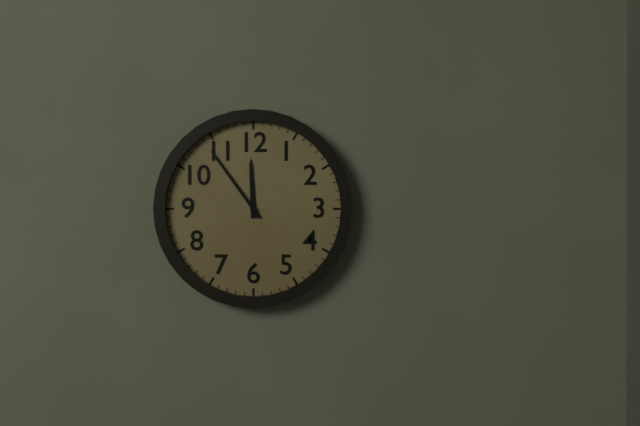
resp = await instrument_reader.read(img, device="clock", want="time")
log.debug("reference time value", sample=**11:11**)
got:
**11:54**
